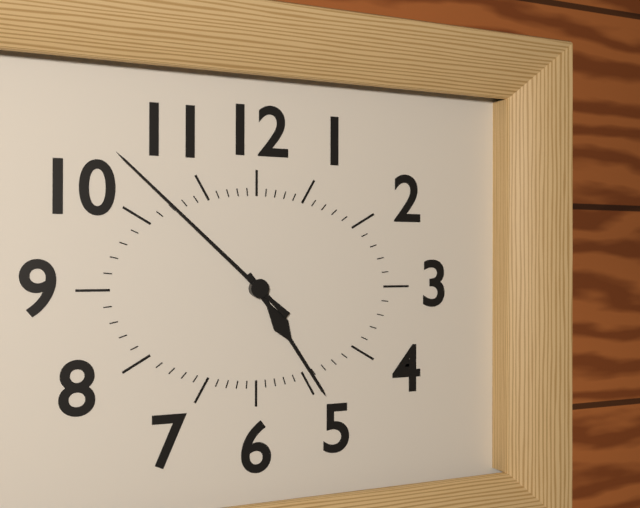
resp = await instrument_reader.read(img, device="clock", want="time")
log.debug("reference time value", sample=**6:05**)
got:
**4:52**
